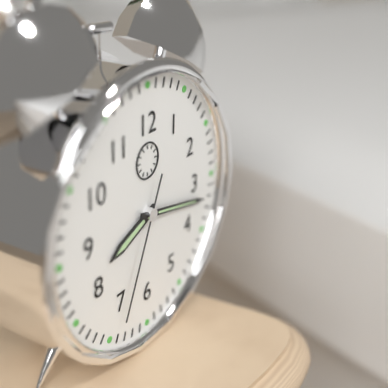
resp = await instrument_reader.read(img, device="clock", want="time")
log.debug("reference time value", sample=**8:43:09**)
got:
**8:17:34**
